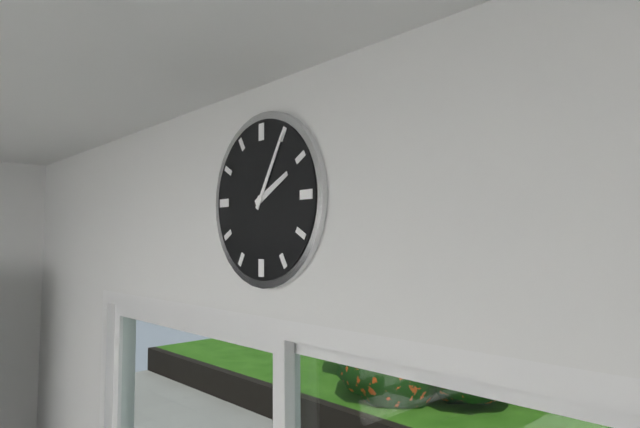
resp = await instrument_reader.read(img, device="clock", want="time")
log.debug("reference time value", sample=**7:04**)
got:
**2:05**
